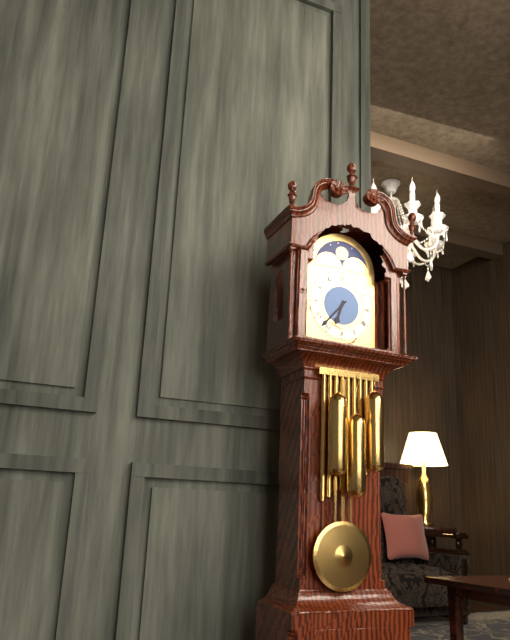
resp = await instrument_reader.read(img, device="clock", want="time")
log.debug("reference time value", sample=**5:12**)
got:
**6:37**
